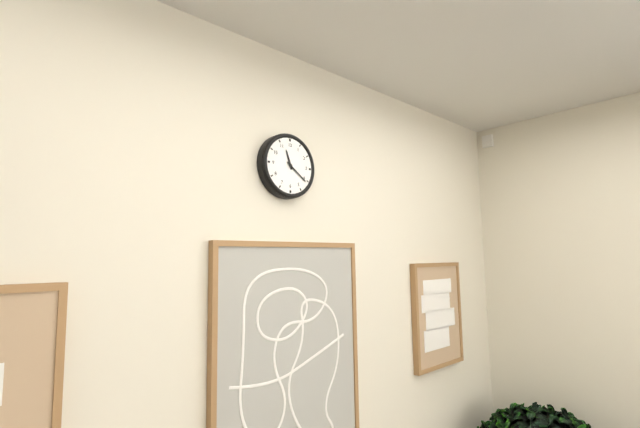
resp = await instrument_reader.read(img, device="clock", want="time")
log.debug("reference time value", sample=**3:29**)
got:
**11:21**
